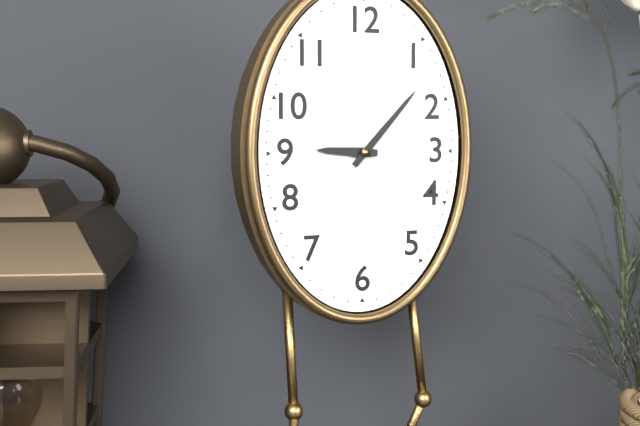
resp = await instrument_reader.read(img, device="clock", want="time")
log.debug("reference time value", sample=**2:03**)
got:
**9:07**
